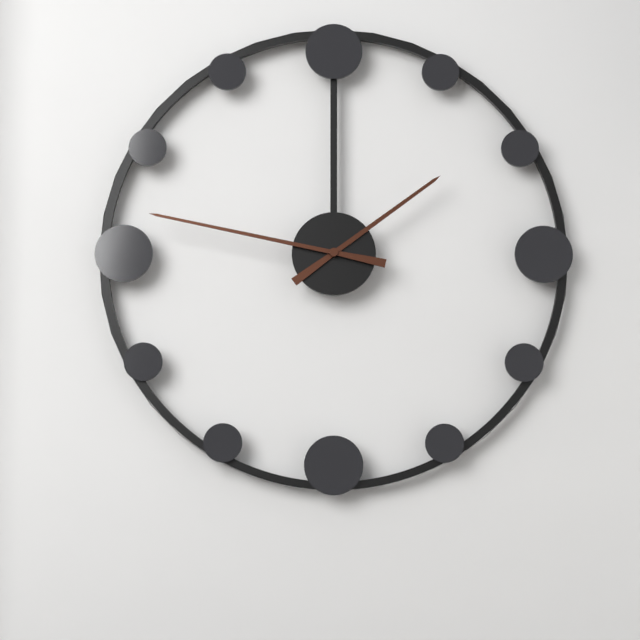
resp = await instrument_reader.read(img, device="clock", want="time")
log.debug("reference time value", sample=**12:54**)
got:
**1:47**
